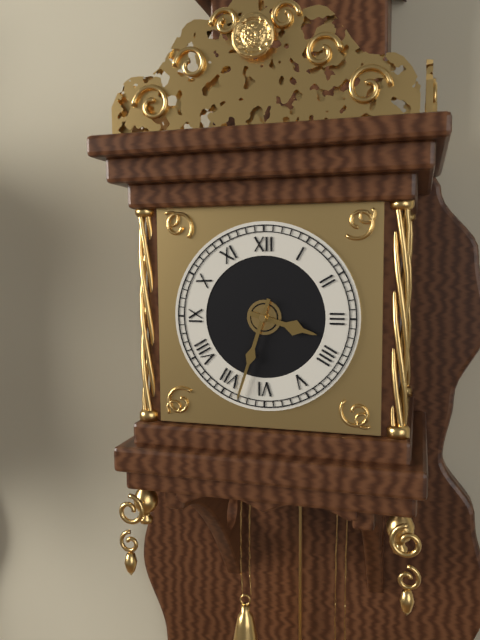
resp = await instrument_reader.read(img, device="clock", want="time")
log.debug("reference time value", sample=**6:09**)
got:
**3:33**
